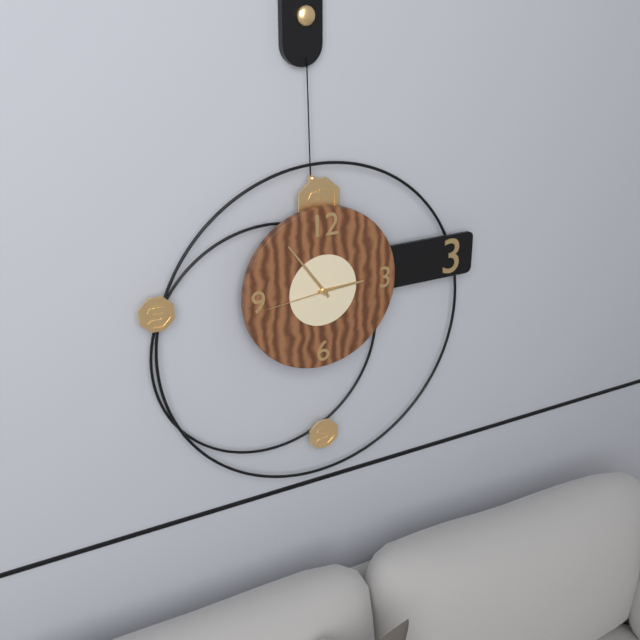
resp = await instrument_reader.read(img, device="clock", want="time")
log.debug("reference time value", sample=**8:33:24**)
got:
**2:54:44**
